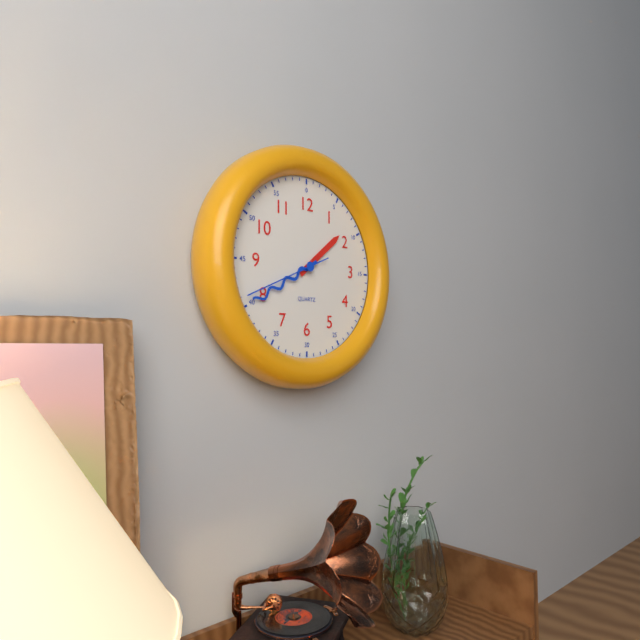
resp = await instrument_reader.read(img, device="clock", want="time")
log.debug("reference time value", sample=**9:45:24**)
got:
**1:40:41**
